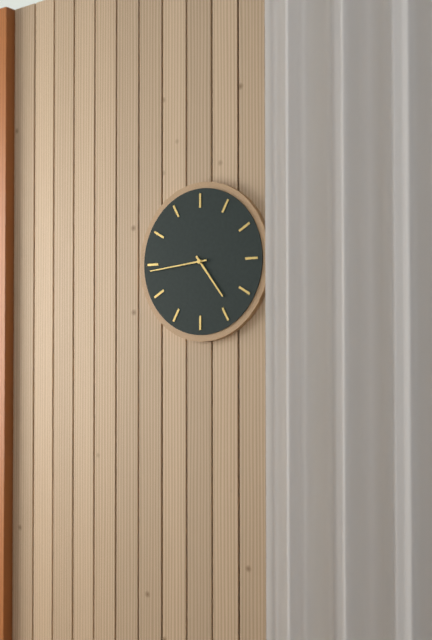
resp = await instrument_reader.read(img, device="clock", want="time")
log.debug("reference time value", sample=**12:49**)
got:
**4:44**
